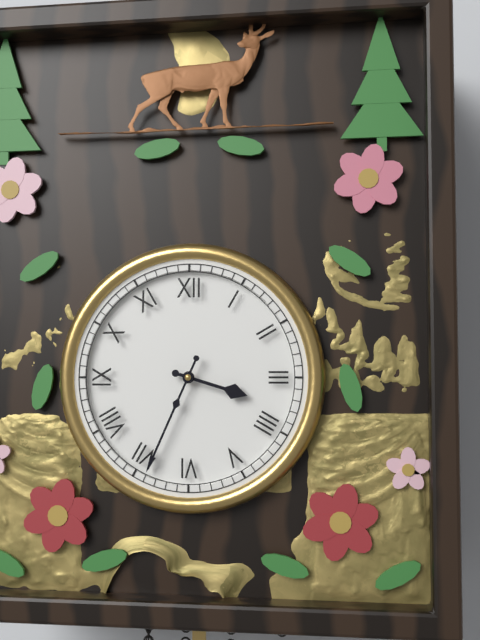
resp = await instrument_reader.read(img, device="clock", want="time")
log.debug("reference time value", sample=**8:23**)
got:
**3:34**
